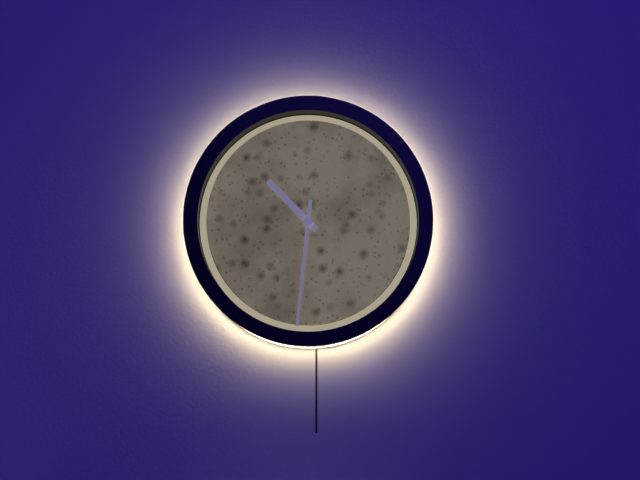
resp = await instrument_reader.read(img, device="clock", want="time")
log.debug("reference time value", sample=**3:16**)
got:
**10:31**
